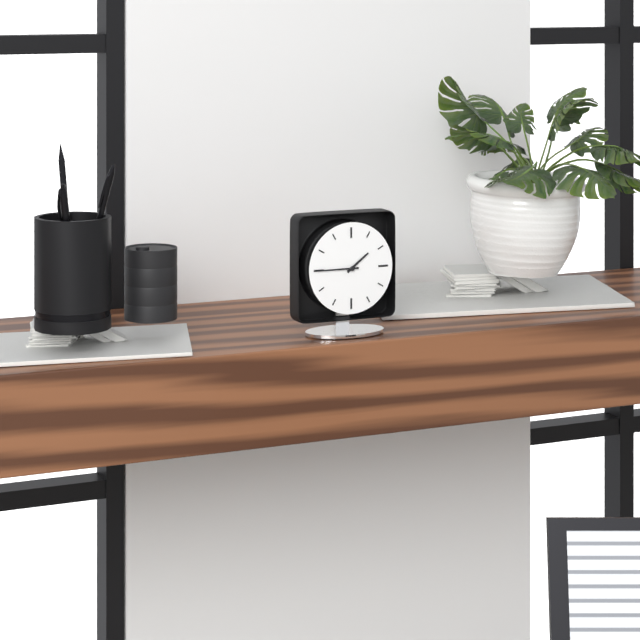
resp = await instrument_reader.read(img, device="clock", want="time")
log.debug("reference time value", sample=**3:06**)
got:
**1:45**
